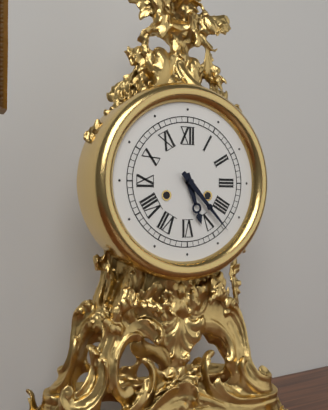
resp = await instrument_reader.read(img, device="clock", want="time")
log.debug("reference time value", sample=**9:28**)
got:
**5:23**
